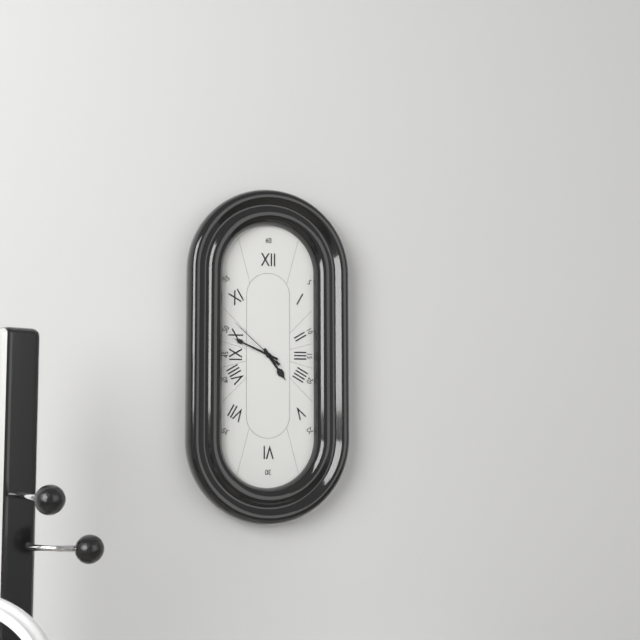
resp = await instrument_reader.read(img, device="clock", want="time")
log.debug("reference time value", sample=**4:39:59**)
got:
**4:49:52**
